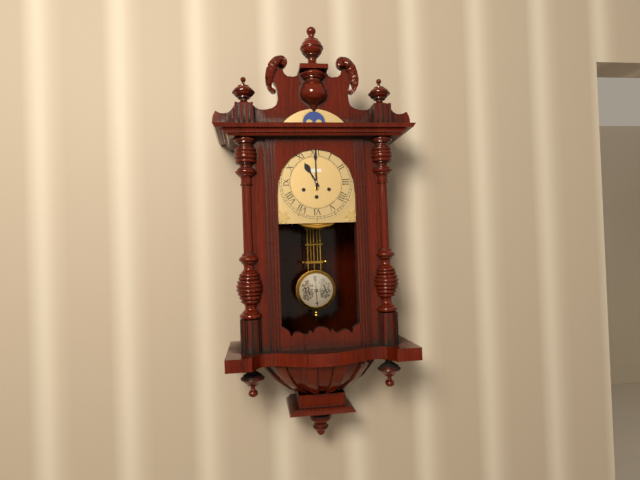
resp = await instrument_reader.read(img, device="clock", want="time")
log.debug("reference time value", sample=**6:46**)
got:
**11:00**
